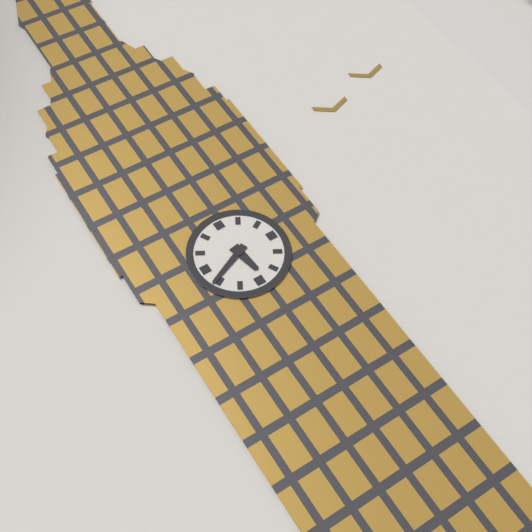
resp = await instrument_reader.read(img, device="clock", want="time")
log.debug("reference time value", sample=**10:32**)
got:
**5:41**
